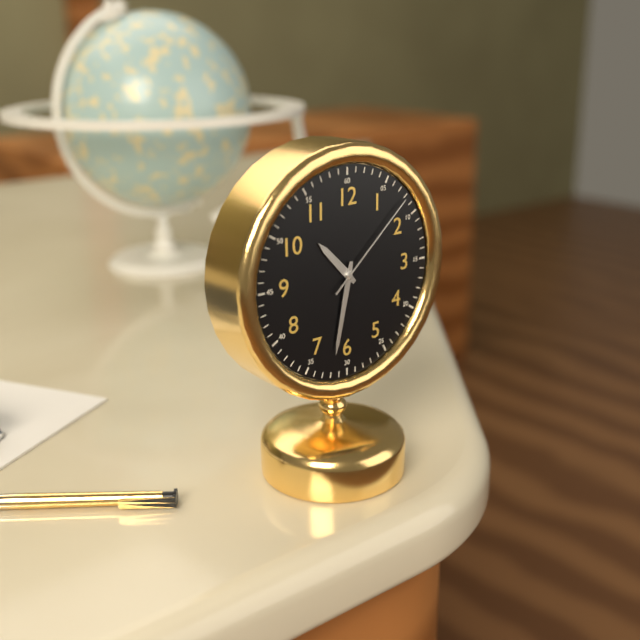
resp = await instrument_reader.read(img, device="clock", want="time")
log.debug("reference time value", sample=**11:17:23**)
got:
**10:32:08**
